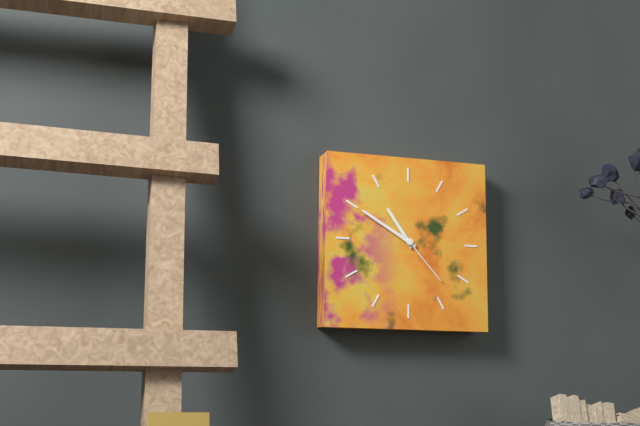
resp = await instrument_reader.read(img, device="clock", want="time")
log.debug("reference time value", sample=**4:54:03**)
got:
**10:50:23**
